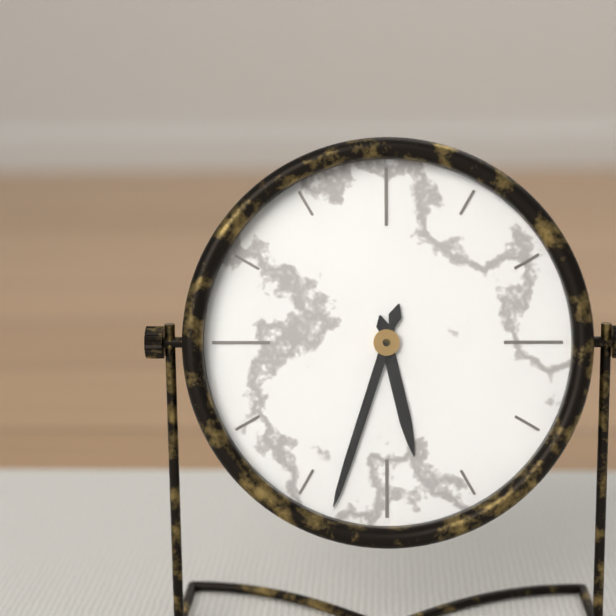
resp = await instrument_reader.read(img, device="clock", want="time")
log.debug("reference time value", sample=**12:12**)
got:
**5:33**
